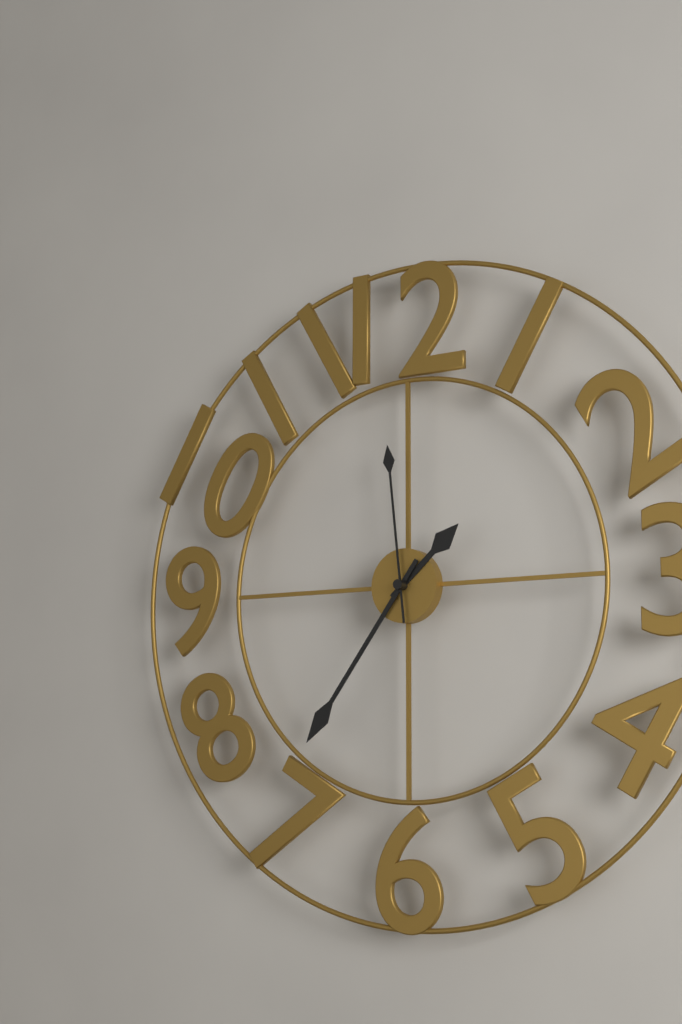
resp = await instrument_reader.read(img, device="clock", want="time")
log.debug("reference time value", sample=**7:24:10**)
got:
**1:36:59**
